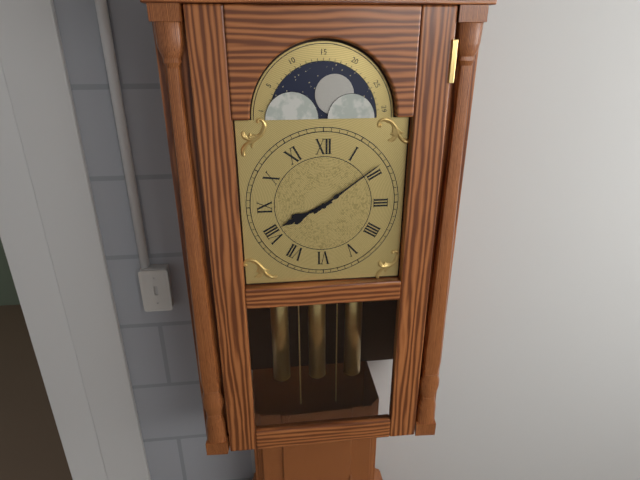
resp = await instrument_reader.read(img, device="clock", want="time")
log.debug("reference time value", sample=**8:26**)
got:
**8:09**
